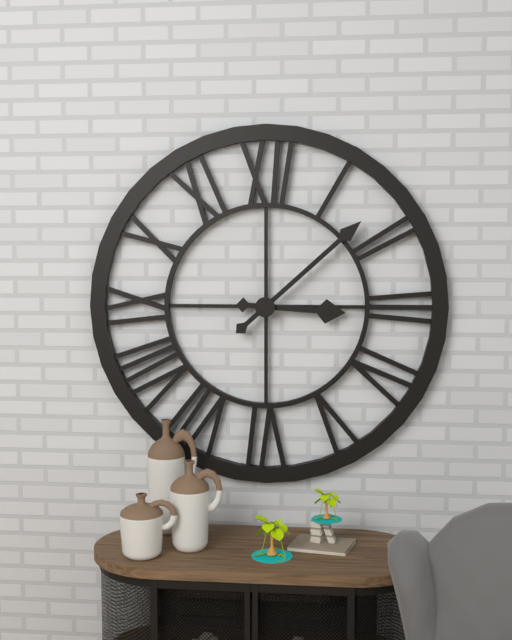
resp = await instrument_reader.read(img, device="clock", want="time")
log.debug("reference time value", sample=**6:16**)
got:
**3:08**
